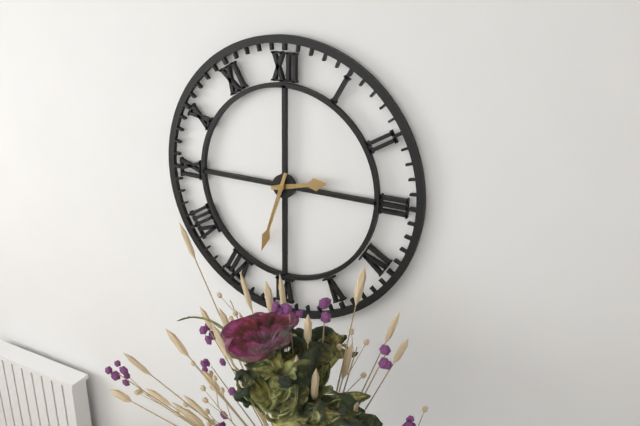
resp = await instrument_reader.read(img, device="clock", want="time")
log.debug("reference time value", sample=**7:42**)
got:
**2:33**
